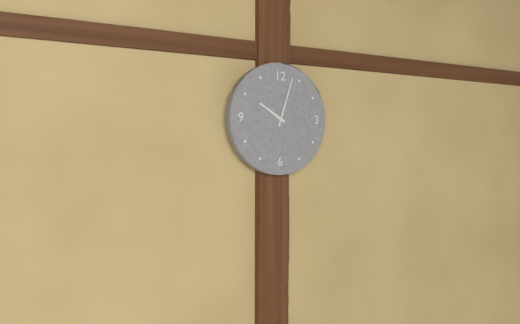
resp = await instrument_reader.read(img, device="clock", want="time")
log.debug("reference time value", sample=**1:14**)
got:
**10:03**
